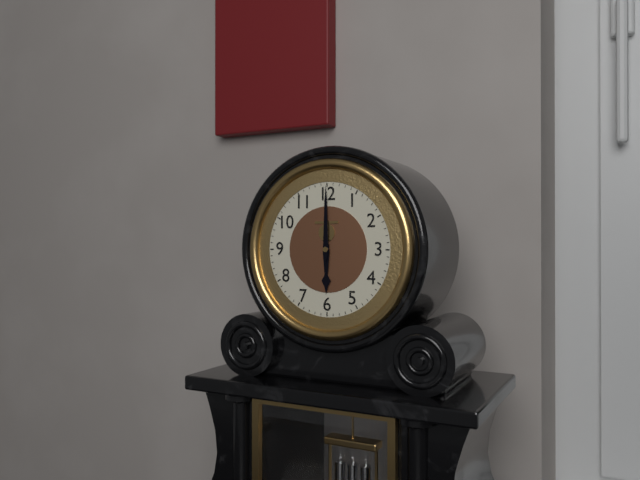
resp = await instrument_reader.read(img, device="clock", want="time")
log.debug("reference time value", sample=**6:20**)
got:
**6:00**
